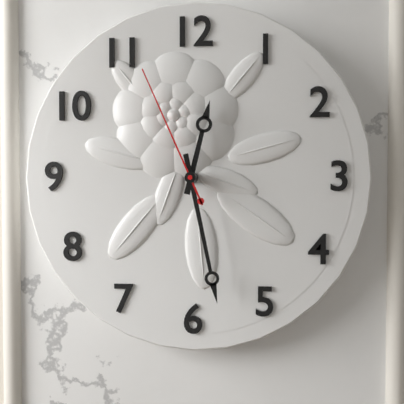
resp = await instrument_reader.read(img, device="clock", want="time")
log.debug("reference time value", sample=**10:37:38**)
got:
**12:28:56**
